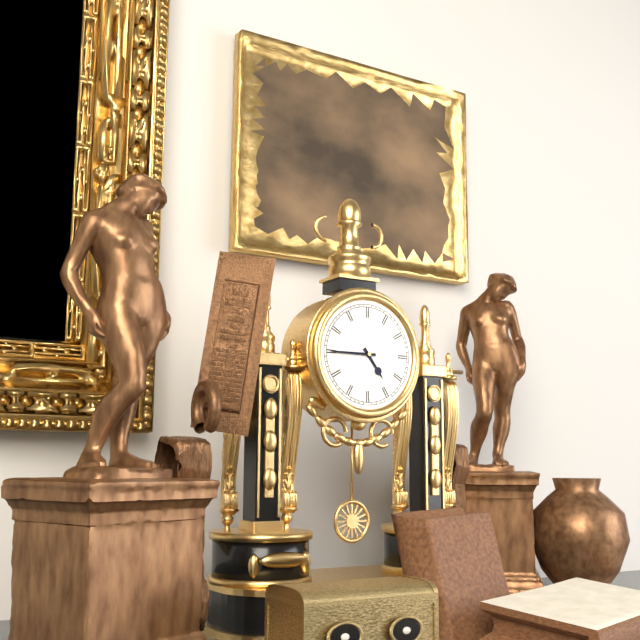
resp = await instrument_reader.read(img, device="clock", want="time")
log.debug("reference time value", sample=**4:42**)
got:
**4:45**
